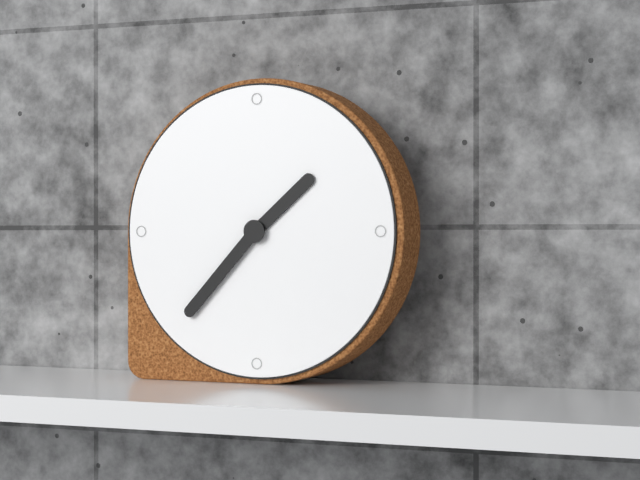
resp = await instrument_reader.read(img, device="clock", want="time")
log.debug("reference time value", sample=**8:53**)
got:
**1:37**
